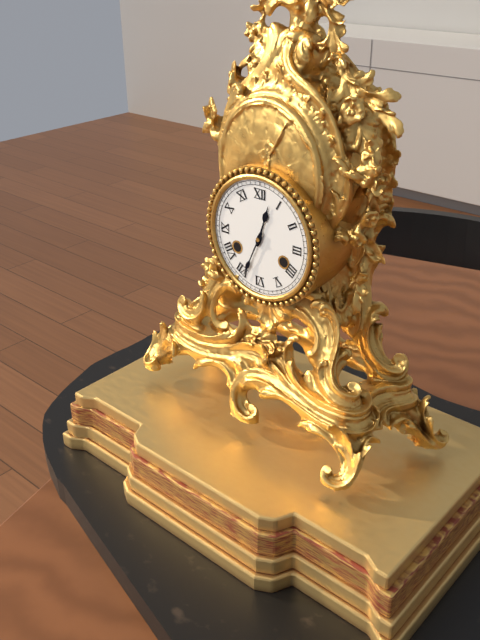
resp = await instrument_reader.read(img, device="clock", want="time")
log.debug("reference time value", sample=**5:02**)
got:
**12:34**
